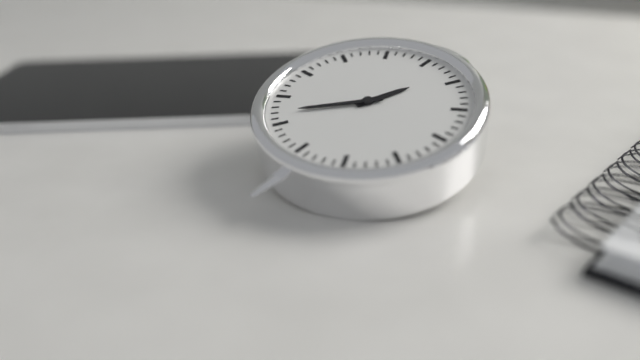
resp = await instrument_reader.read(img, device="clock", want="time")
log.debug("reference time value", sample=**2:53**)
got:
**1:42**
